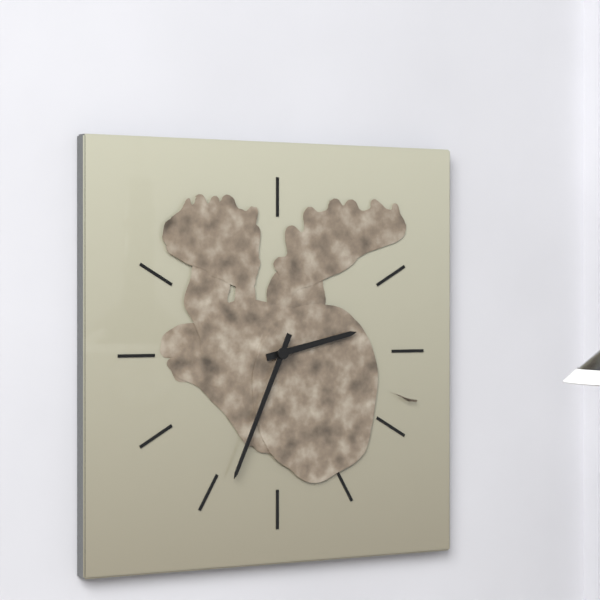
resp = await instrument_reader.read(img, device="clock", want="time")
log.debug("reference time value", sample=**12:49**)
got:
**2:34**
